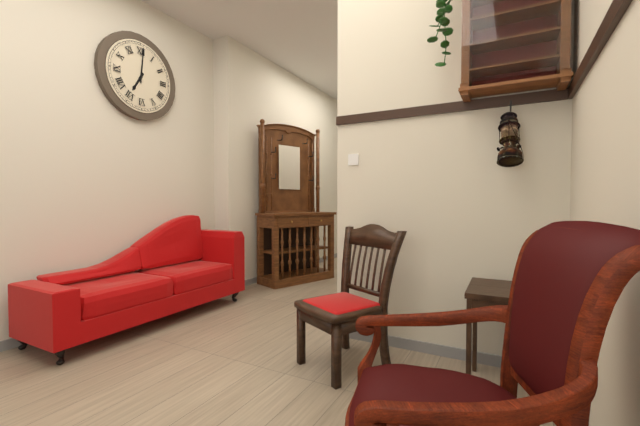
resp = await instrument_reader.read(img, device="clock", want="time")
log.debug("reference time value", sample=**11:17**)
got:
**7:01**
